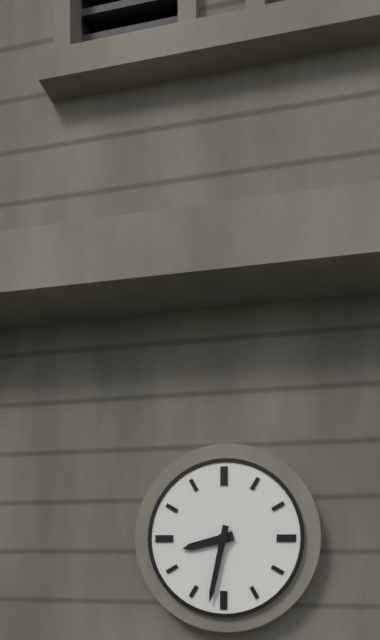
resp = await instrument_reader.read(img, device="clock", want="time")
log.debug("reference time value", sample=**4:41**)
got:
**8:32**
